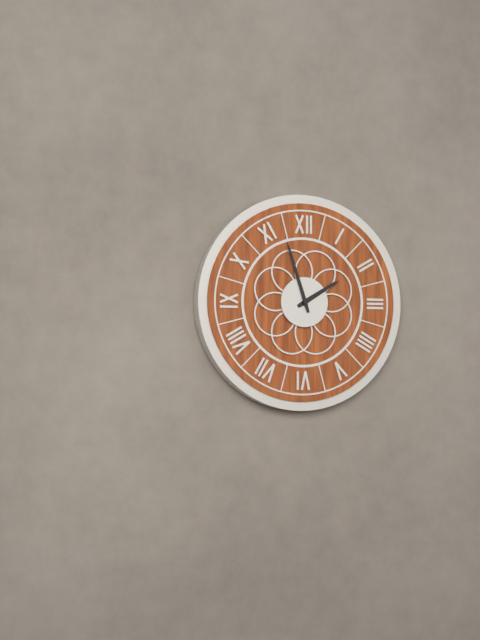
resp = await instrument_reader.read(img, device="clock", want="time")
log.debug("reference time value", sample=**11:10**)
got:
**1:57**
